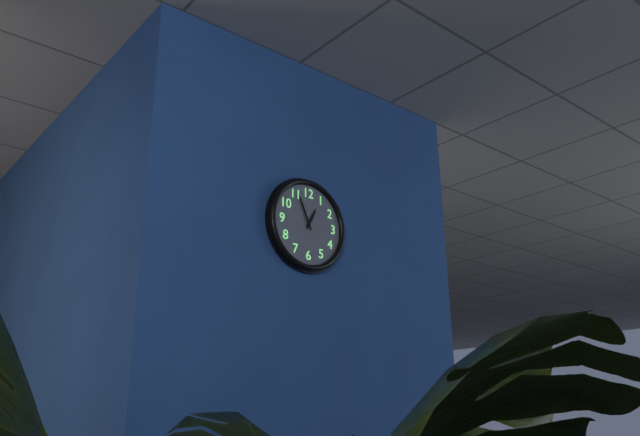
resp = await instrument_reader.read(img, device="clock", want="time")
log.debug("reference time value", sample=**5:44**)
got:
**12:56**
